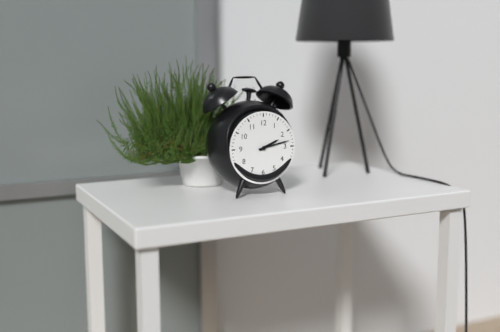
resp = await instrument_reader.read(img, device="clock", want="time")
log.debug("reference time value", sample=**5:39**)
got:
**2:13**
